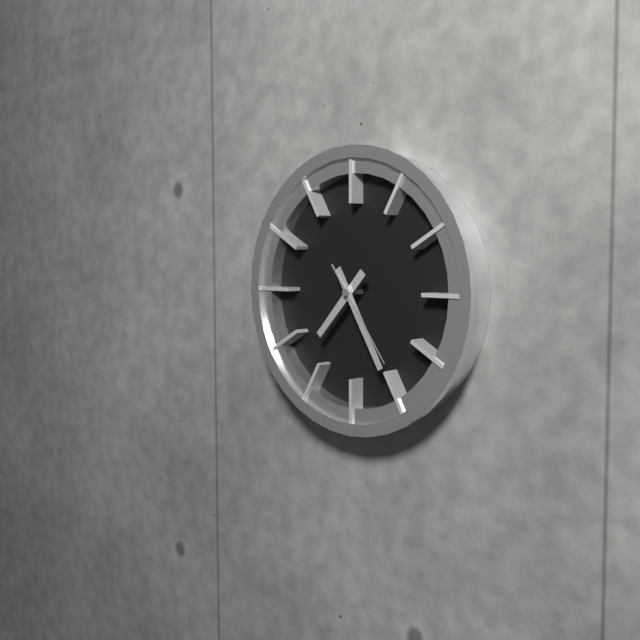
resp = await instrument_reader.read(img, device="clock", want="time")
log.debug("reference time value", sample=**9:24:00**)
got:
**7:25:24**
